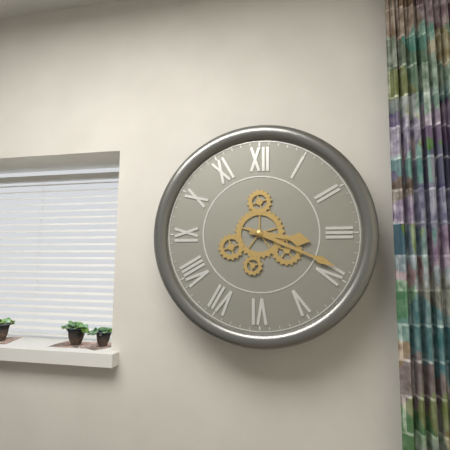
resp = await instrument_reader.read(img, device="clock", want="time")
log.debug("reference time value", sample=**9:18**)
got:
**3:19**
